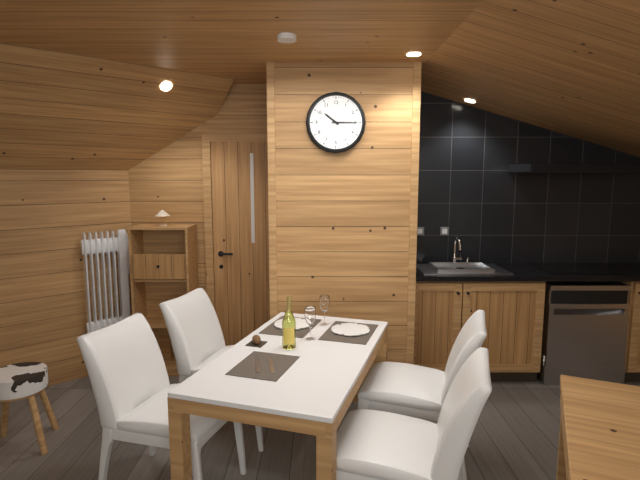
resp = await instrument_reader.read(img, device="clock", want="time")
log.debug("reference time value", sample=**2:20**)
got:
**10:15**
